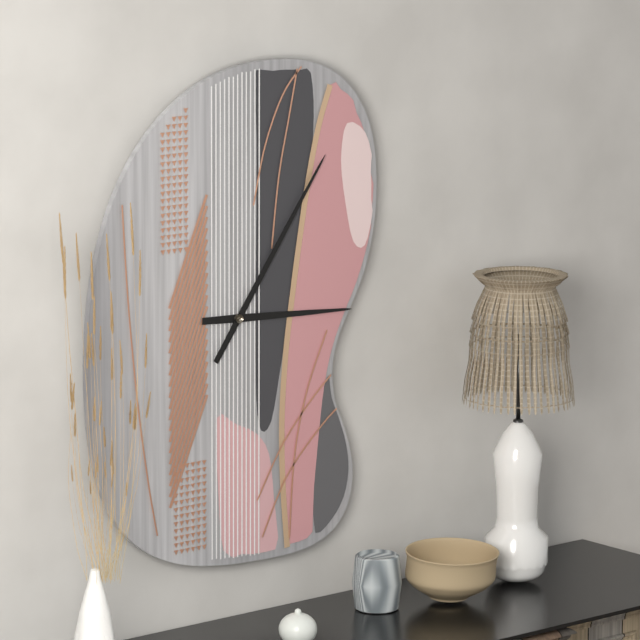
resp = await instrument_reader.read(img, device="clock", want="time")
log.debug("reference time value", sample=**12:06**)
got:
**3:06**
